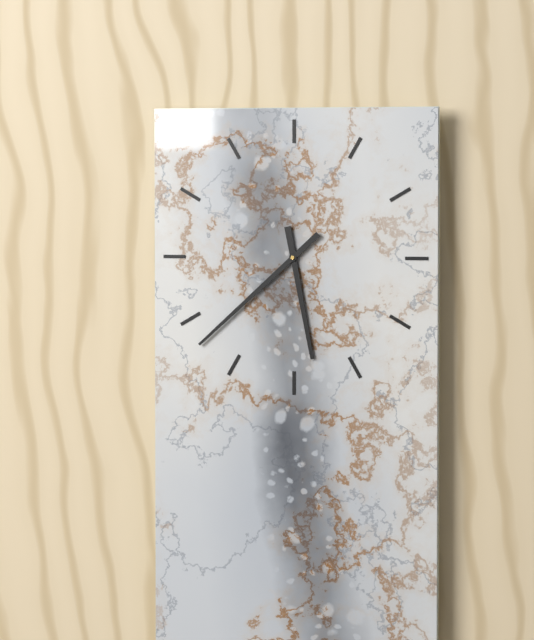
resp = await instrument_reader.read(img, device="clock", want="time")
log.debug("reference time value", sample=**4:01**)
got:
**5:38**
